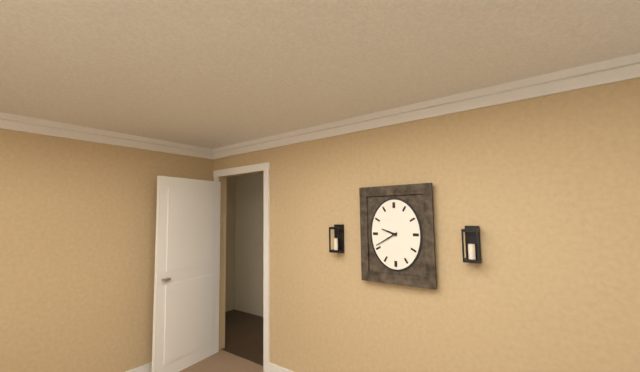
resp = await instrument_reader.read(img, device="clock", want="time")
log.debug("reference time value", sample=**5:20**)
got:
**9:40**
